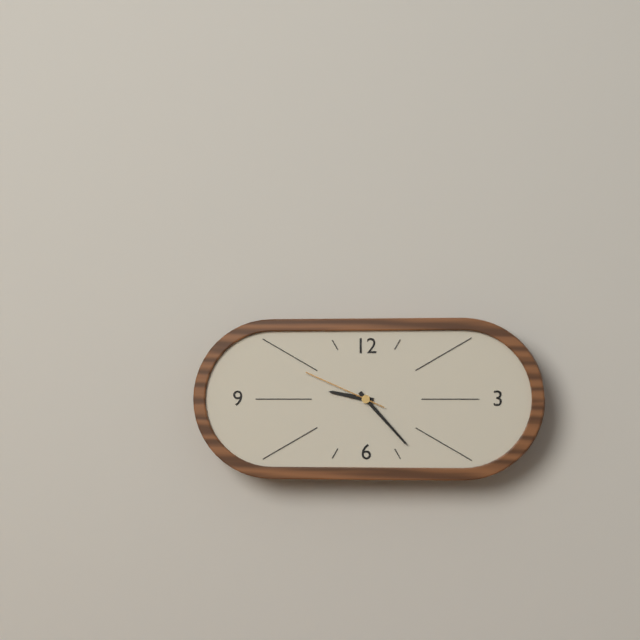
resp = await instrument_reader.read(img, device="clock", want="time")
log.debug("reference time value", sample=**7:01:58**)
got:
**9:23:49**
